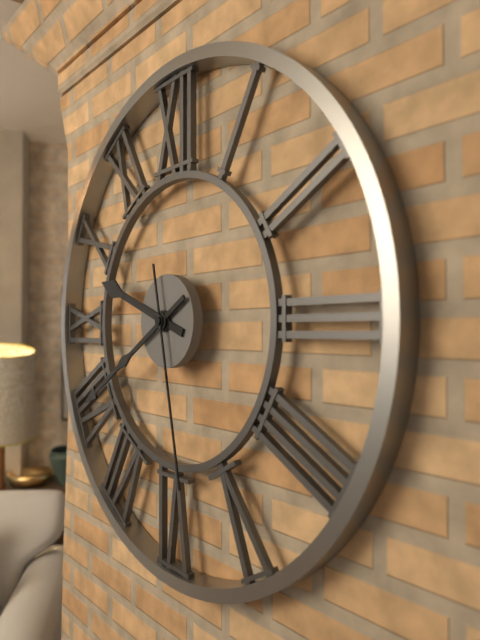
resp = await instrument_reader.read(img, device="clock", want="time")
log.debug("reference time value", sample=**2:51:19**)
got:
**9:40:28**
